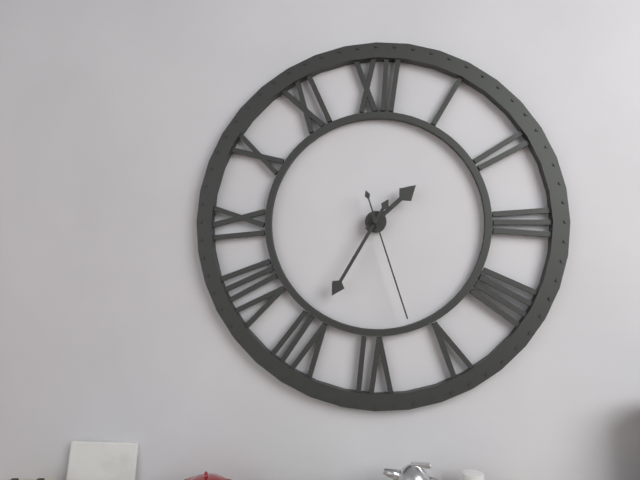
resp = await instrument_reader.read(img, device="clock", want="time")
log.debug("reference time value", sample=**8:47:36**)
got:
**1:35:27**
